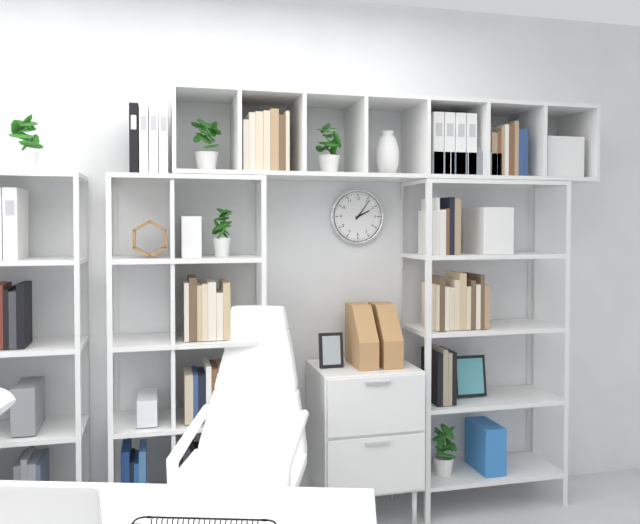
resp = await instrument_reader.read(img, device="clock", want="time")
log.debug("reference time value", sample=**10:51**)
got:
**2:06**
